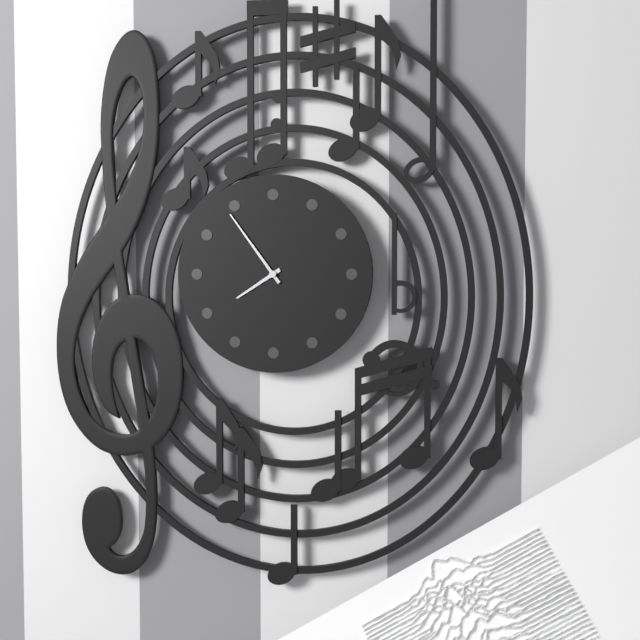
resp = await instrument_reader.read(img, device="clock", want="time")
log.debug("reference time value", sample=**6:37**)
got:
**7:54**
